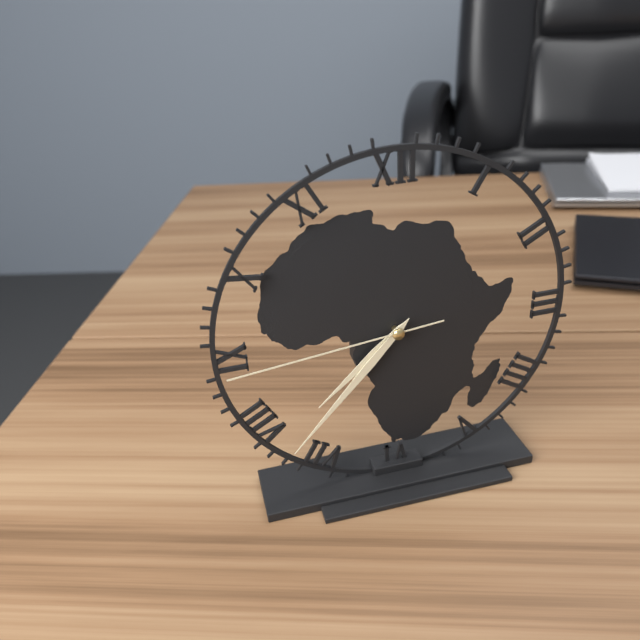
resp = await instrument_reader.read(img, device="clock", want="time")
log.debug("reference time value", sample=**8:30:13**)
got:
**7:37:44**
